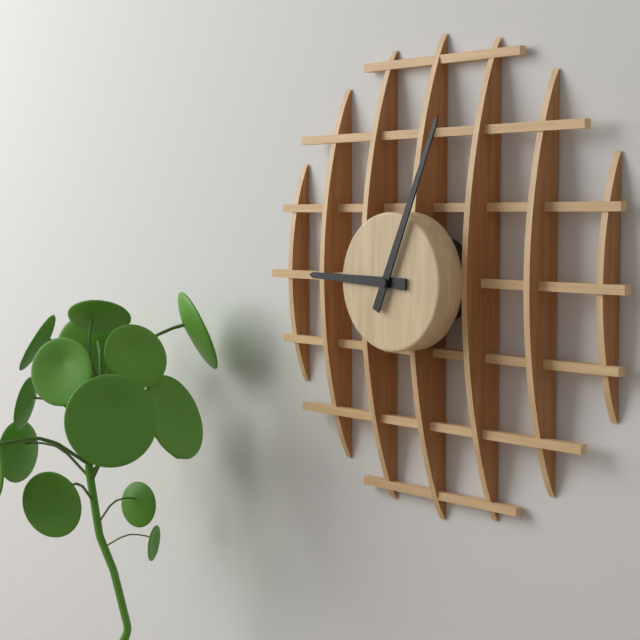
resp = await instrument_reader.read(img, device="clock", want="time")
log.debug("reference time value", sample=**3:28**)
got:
**9:04**
